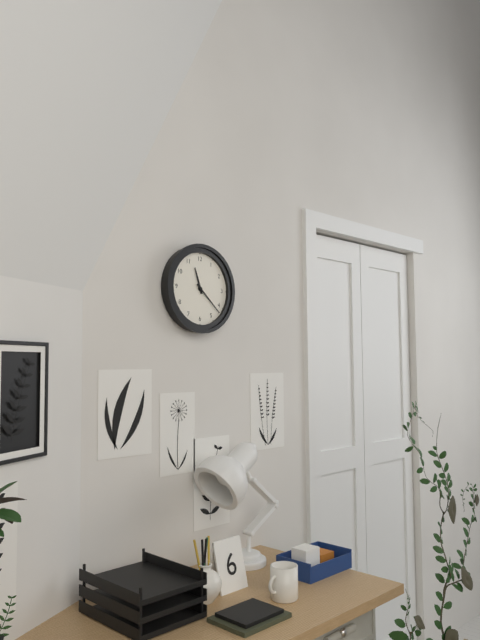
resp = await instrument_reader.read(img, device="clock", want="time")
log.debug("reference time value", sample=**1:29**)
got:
**11:22**
